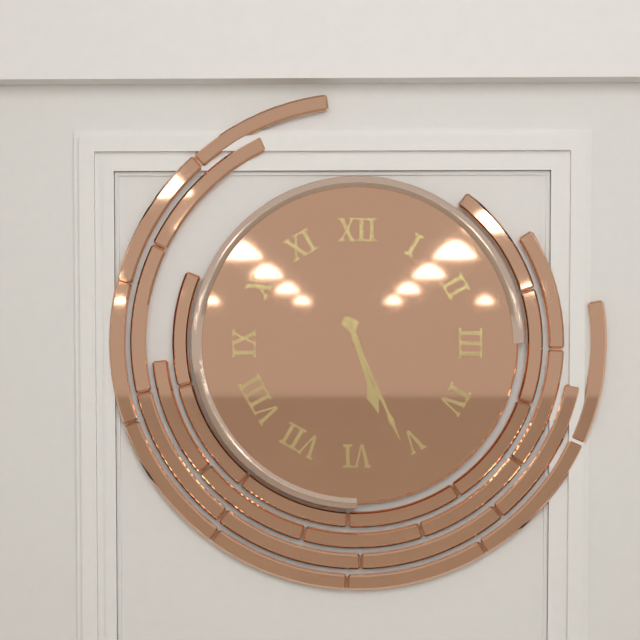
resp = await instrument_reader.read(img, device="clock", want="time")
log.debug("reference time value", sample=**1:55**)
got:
**5:26**
